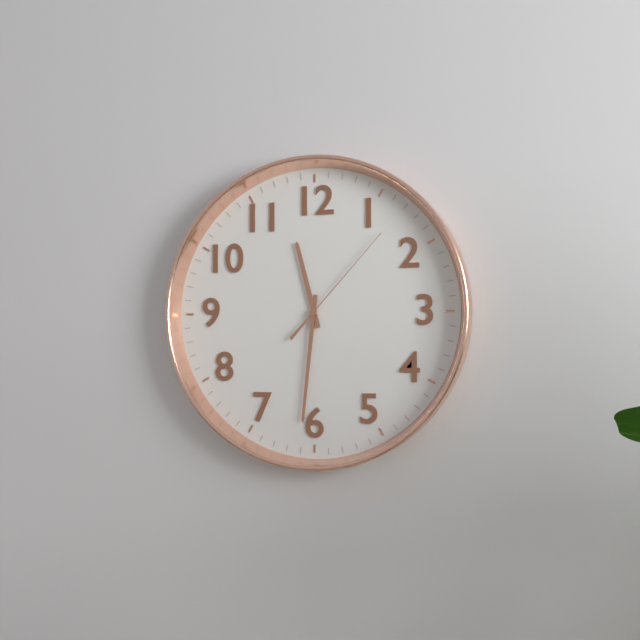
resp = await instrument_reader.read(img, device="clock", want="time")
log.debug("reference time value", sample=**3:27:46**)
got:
**11:31:07**
